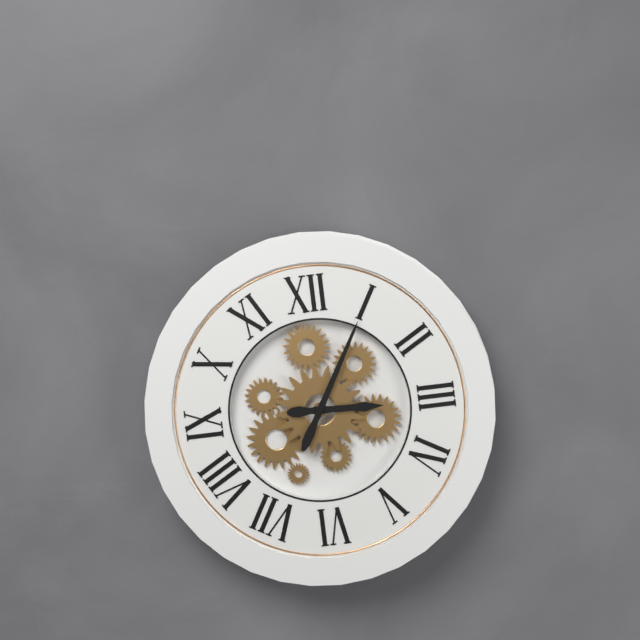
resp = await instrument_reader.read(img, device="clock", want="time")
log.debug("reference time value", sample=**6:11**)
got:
**3:05**
